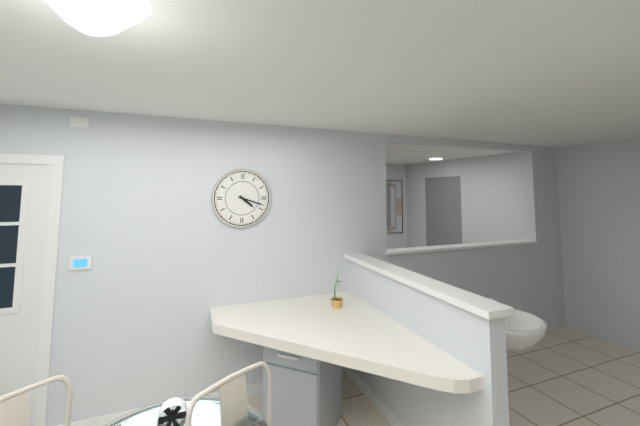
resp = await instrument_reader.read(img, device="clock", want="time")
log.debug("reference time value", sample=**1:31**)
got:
**4:18**
